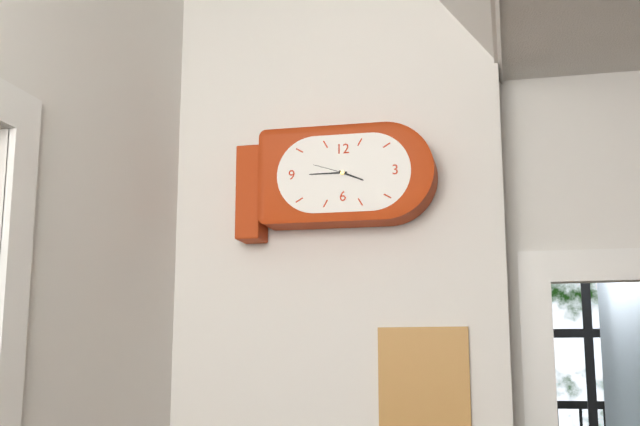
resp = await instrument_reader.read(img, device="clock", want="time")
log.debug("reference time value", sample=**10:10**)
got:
**3:45**
